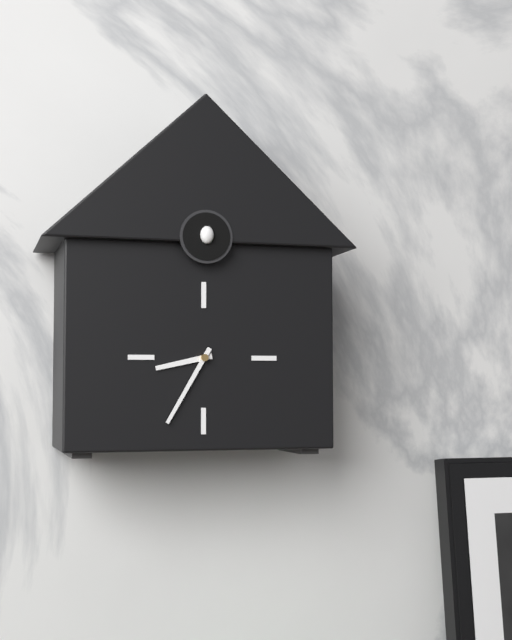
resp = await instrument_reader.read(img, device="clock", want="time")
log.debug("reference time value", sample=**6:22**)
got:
**8:35**
